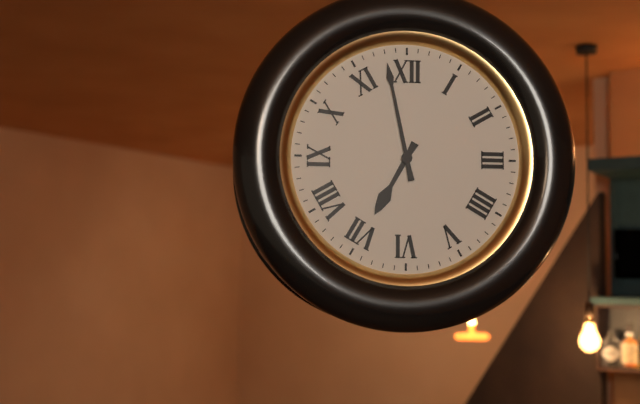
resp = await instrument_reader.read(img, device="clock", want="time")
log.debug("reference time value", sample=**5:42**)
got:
**6:58**
